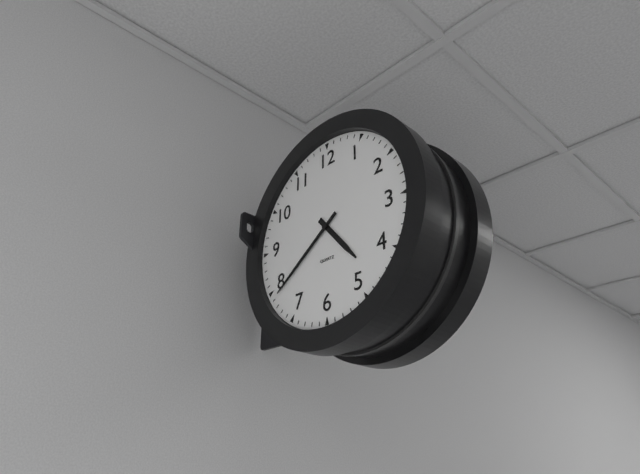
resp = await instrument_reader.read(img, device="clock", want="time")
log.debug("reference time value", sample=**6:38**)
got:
**4:39**
